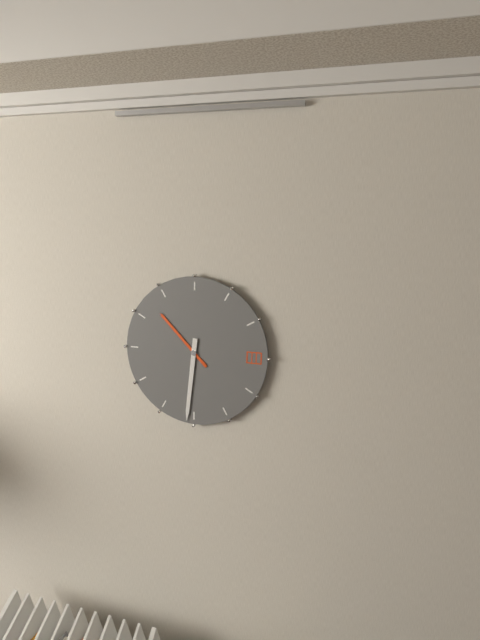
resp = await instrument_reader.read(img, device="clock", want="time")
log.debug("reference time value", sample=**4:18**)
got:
**10:31**
